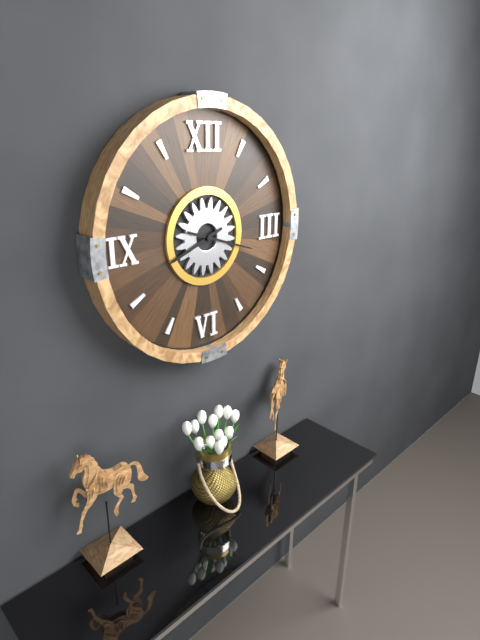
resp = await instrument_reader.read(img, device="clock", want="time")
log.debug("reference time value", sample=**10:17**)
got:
**8:18**
